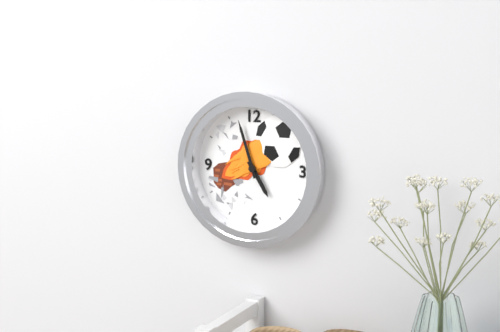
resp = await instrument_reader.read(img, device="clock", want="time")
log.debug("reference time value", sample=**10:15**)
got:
**4:57**
